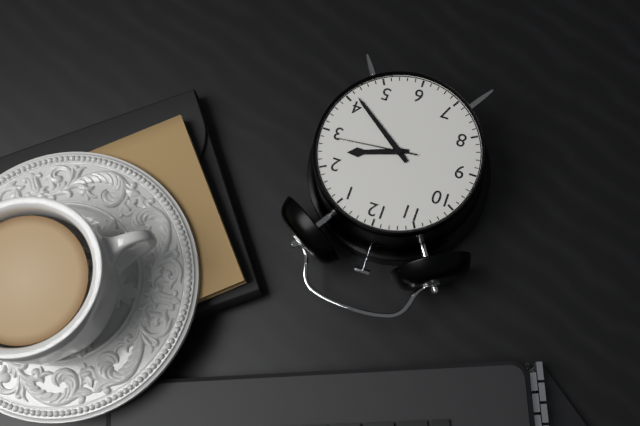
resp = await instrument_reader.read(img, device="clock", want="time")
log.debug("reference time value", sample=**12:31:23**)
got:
**2:21:14**
